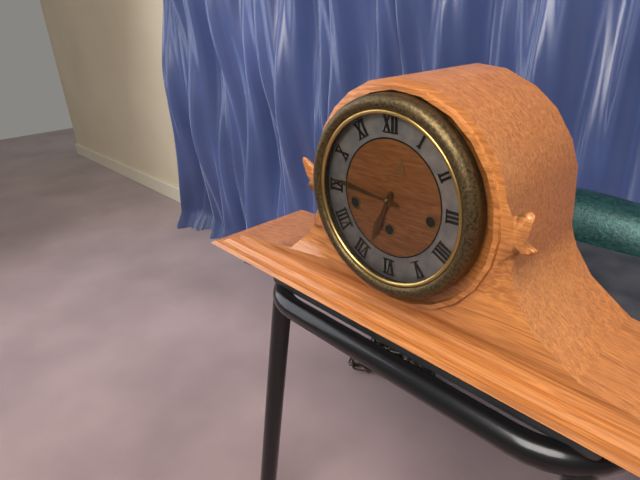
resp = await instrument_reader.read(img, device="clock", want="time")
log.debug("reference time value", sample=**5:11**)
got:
**6:46**
